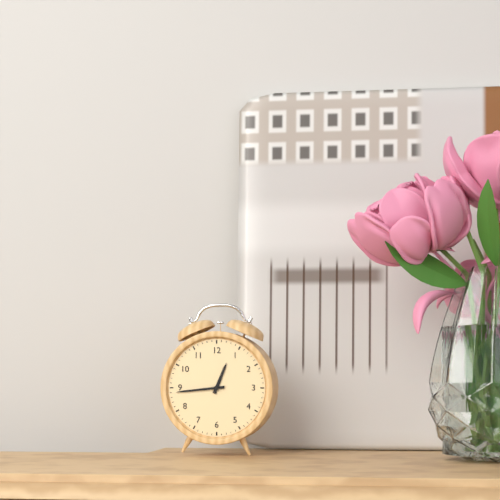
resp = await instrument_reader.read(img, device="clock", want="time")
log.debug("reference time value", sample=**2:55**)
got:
**12:44**
